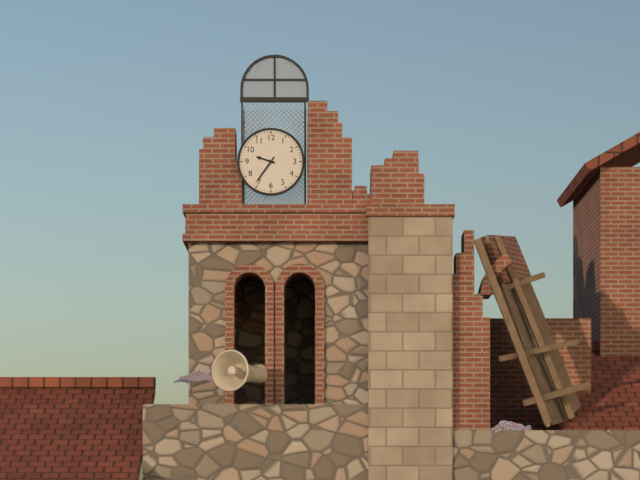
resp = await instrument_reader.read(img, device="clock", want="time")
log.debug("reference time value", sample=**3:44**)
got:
**9:36**
